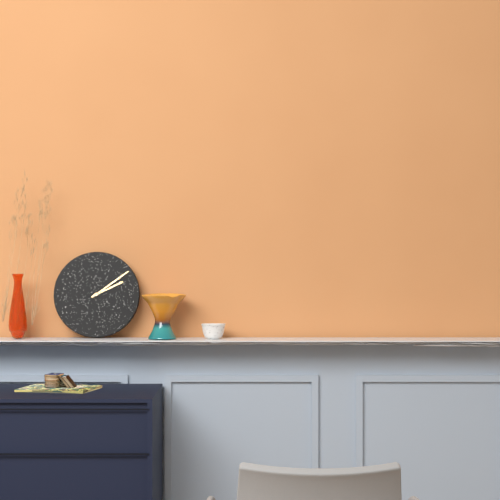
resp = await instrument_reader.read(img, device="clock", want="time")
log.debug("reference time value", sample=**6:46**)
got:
**2:09**
